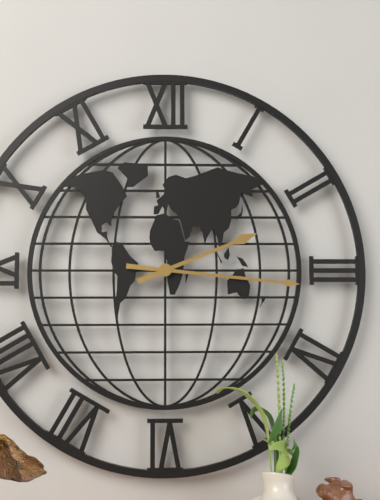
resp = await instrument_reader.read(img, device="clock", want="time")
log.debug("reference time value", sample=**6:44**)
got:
**2:16**
